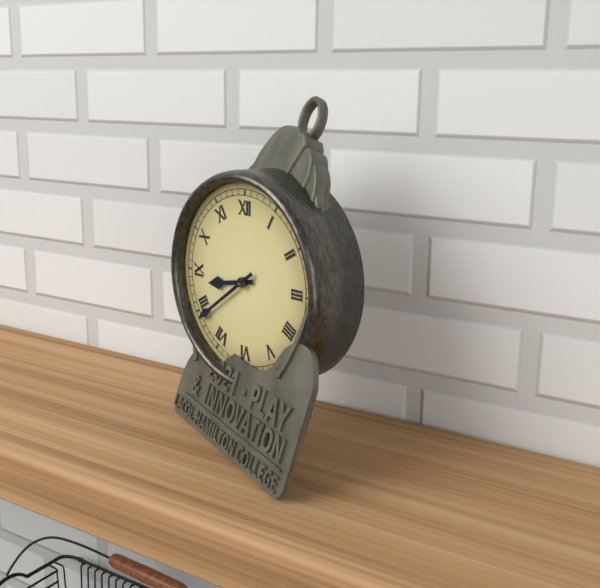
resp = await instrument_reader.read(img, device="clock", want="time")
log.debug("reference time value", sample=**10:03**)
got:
**8:39**
